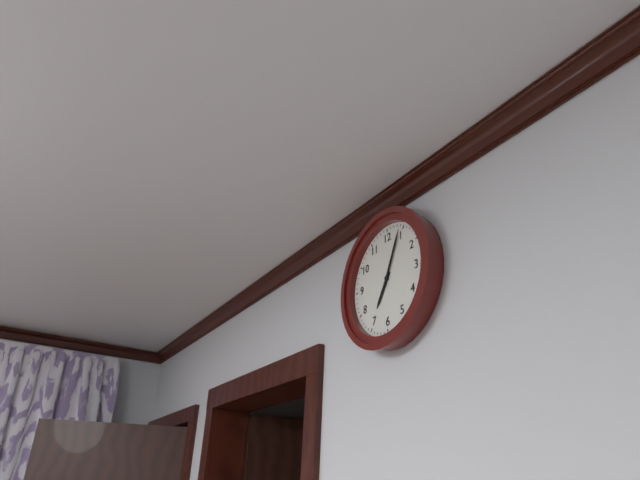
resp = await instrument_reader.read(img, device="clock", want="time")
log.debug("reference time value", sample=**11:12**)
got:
**7:04**
